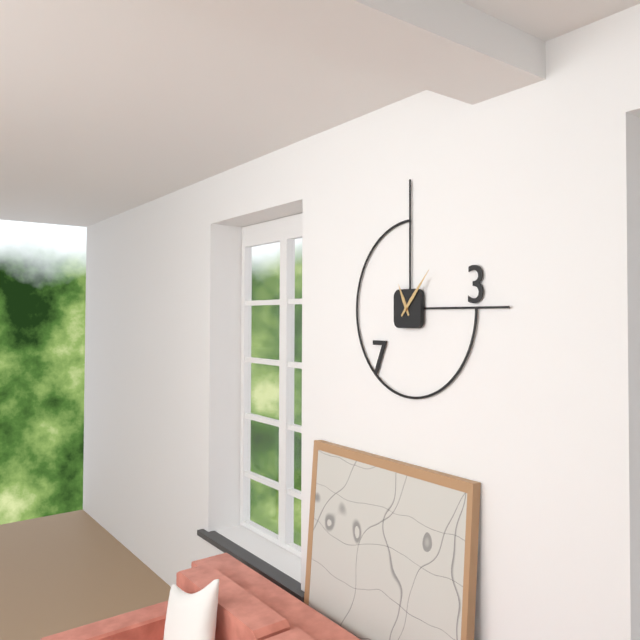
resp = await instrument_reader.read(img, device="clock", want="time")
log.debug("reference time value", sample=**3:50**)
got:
**11:07**
